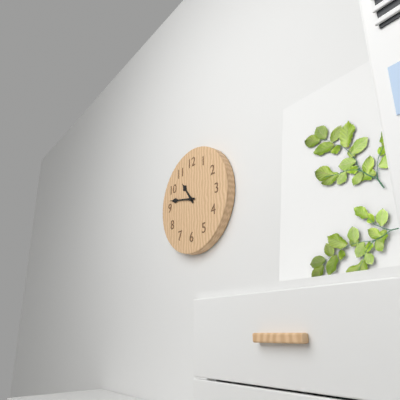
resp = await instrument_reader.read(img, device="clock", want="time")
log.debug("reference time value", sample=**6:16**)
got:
**10:47**
